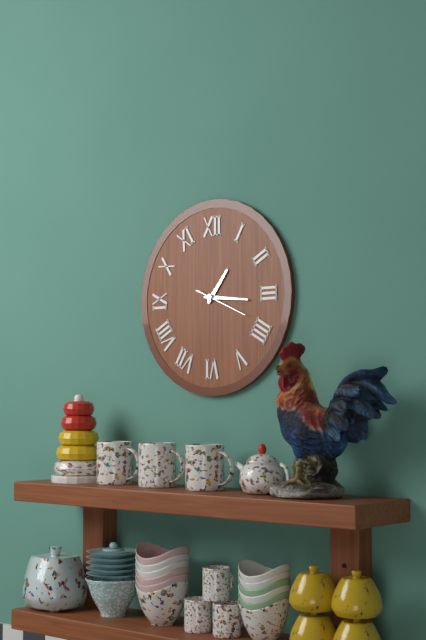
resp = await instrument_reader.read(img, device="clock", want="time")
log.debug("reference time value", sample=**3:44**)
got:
**1:16**
